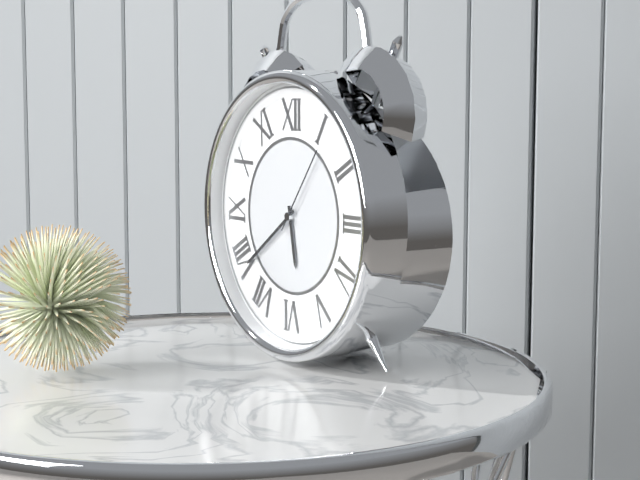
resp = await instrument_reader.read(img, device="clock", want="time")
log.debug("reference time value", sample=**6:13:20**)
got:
**5:39:06**
